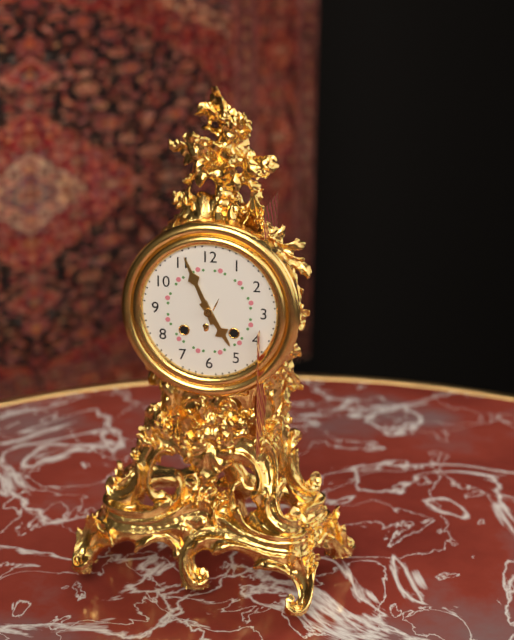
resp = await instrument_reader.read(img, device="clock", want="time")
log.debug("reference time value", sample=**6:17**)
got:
**4:56**
